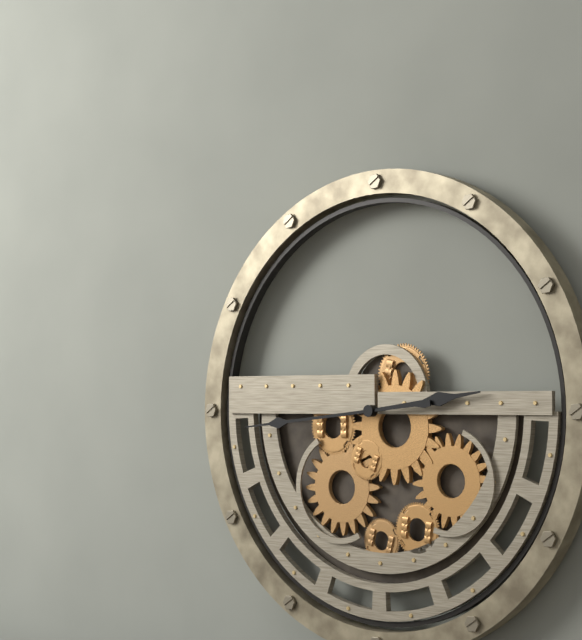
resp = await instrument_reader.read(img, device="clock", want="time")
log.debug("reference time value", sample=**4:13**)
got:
**2:44**
